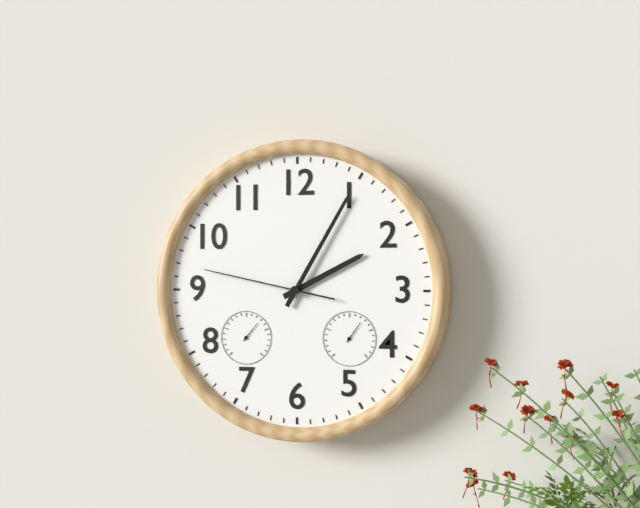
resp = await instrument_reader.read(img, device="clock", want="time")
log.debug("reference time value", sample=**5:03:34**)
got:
**2:05:47**
